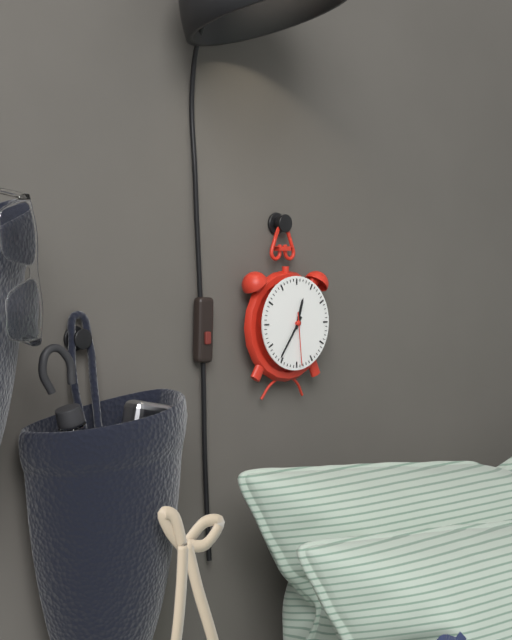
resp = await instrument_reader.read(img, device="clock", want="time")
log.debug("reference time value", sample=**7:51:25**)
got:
**12:36:29**
